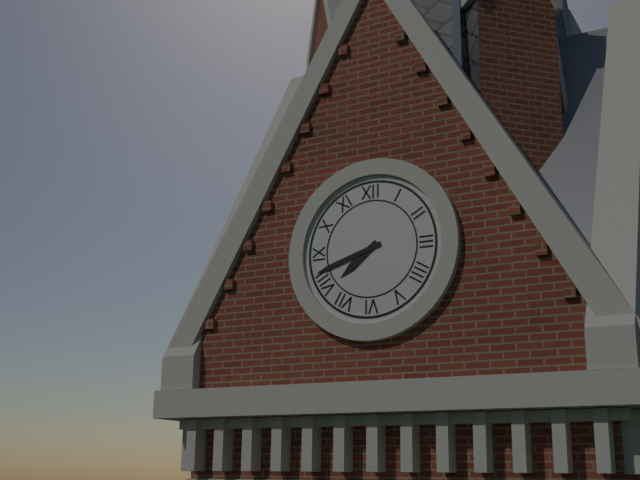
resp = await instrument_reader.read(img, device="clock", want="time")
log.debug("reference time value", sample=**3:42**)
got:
**7:42**
